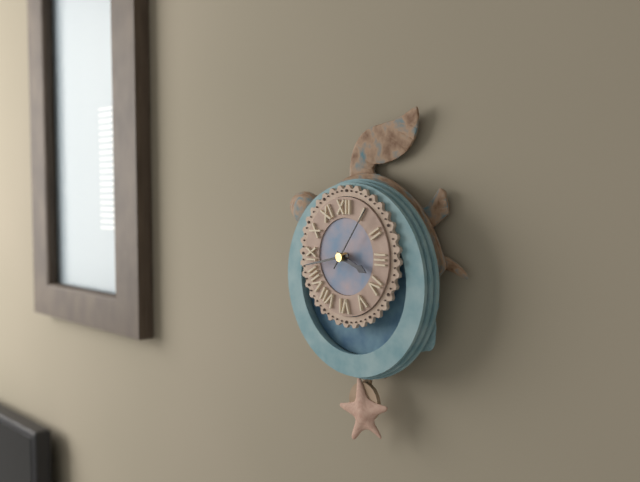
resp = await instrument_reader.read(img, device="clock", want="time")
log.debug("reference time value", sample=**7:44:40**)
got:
**3:43:06**
